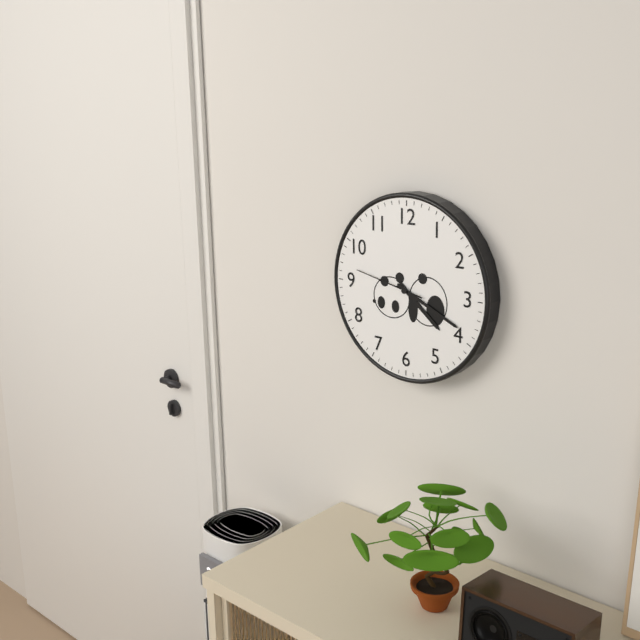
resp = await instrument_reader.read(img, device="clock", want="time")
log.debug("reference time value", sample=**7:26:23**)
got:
**4:19:47**
